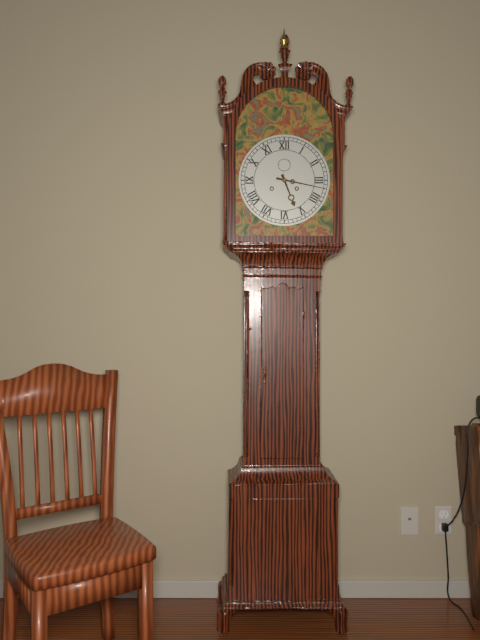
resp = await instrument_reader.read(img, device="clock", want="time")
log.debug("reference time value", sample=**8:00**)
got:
**5:17**
